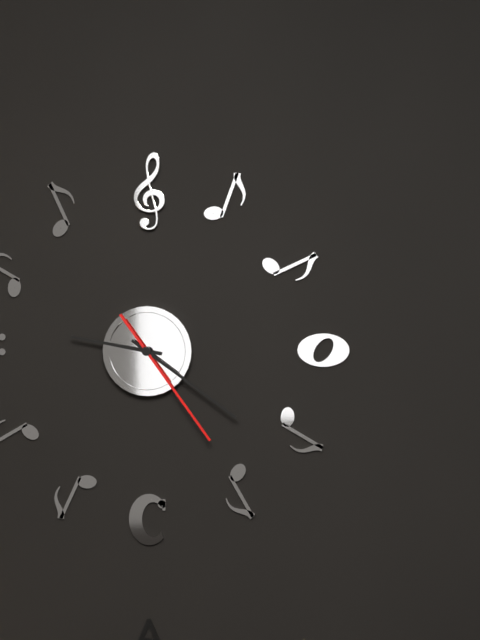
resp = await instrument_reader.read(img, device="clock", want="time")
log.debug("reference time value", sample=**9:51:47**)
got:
**9:21:24**
